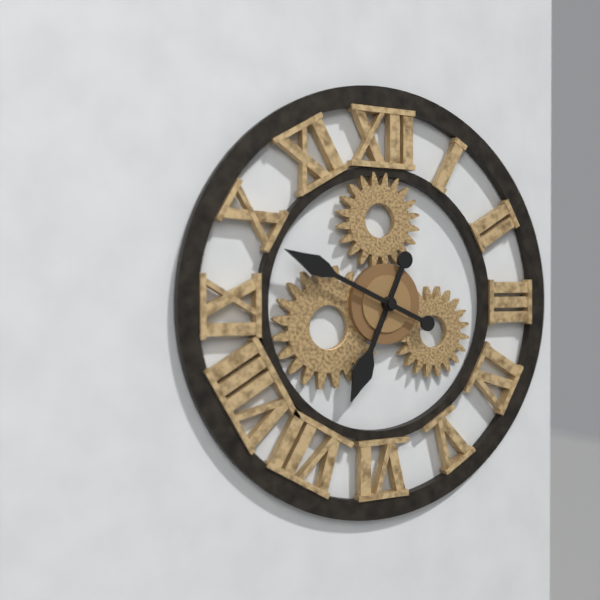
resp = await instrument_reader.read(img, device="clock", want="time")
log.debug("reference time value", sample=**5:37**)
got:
**6:49**
